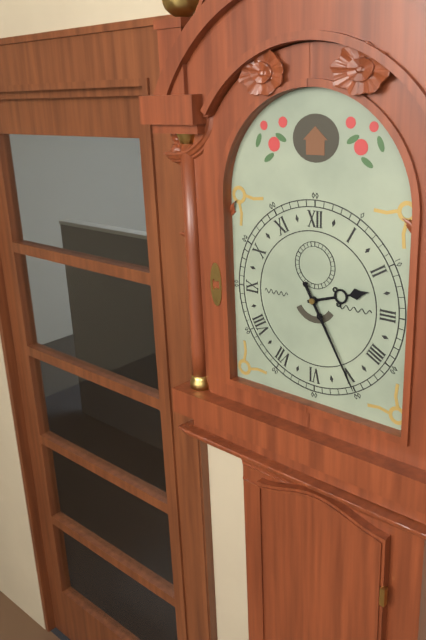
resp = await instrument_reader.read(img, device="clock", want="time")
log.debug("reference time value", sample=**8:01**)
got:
**2:25**
